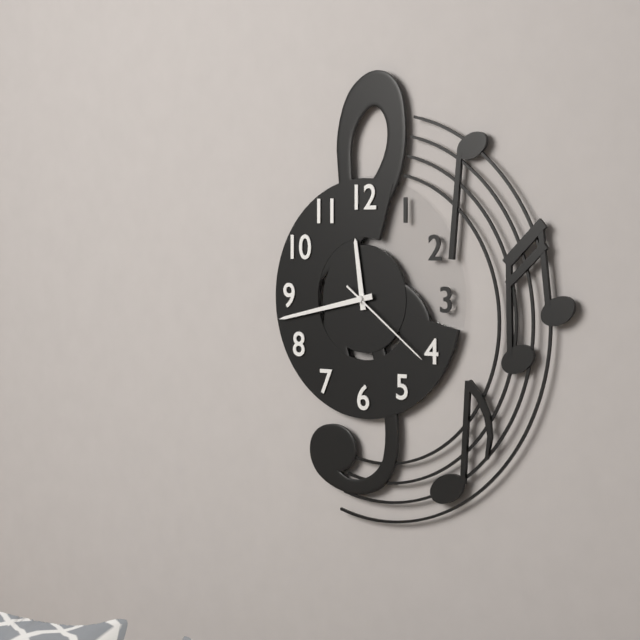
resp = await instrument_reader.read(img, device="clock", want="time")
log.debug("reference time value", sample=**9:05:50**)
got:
**11:43:21**
